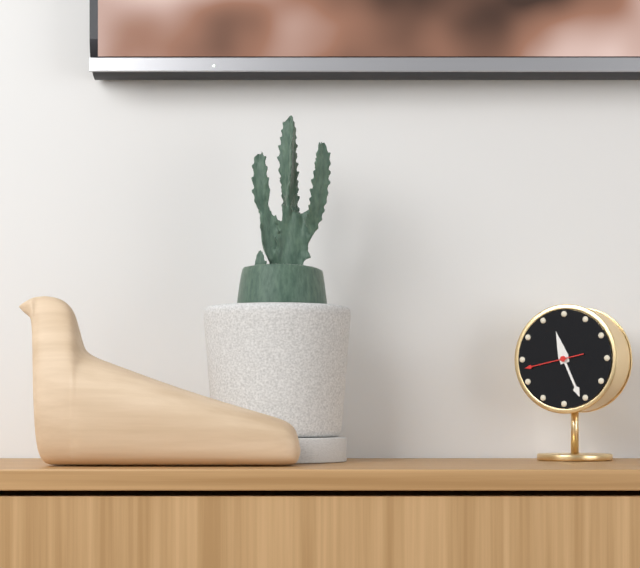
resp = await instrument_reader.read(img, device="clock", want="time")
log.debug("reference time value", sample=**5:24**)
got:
**11:26**
